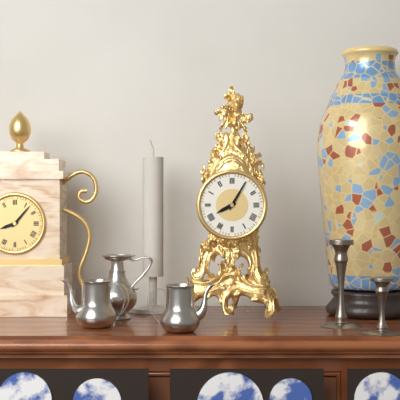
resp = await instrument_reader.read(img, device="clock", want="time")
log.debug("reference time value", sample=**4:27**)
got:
**8:05**
